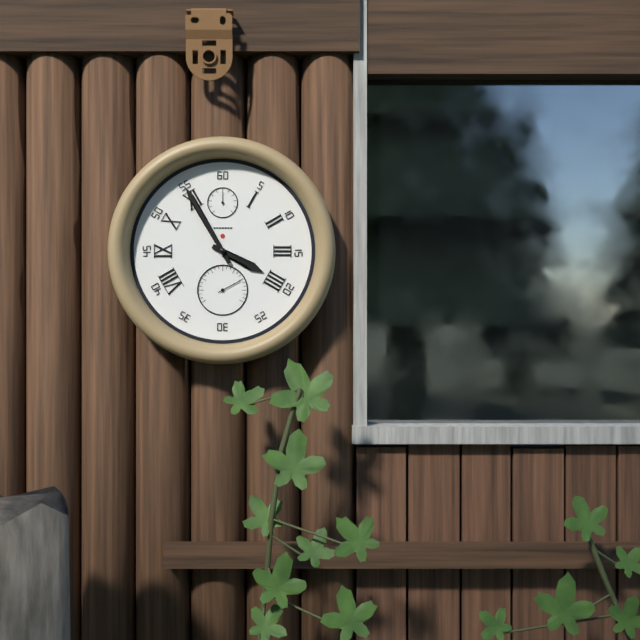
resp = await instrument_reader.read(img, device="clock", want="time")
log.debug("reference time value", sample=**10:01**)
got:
**3:55**
